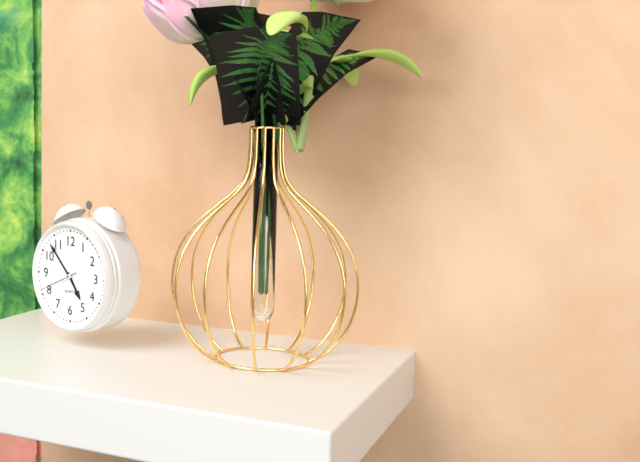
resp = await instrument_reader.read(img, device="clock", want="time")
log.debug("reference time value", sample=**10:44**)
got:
**4:53**
